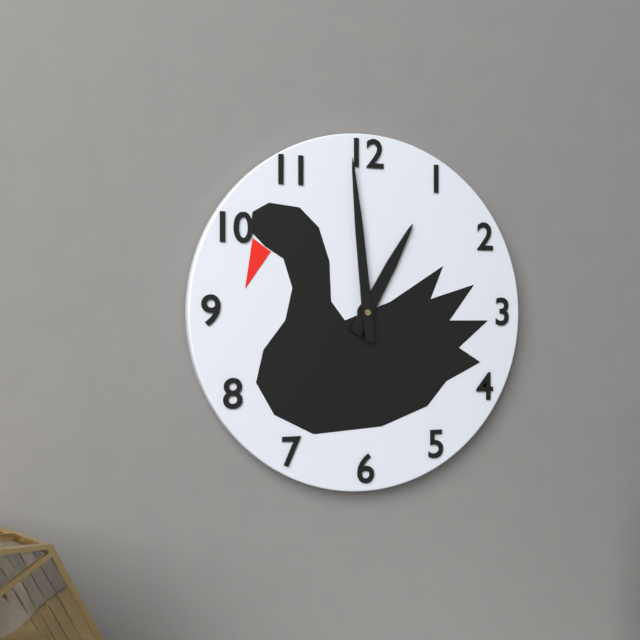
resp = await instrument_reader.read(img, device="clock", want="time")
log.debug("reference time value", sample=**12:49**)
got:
**12:59**
